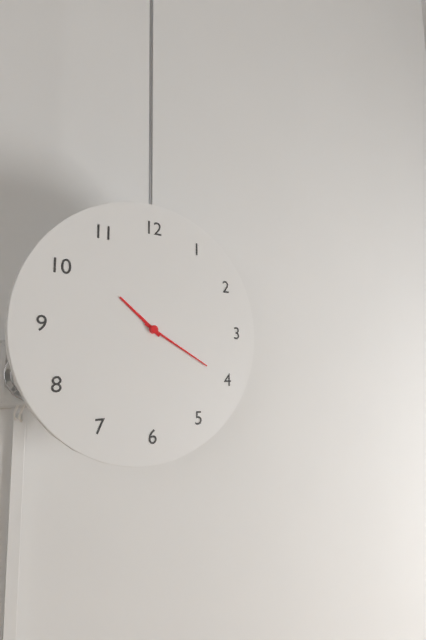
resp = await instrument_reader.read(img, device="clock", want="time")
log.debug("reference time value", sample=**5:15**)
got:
**10:20**
